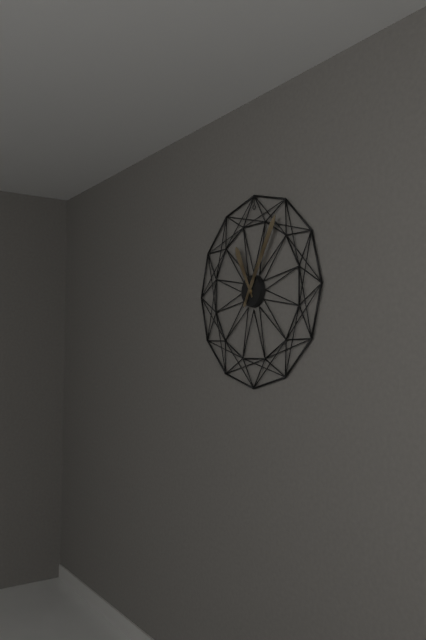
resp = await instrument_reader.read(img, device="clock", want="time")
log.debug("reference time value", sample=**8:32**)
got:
**11:05**
